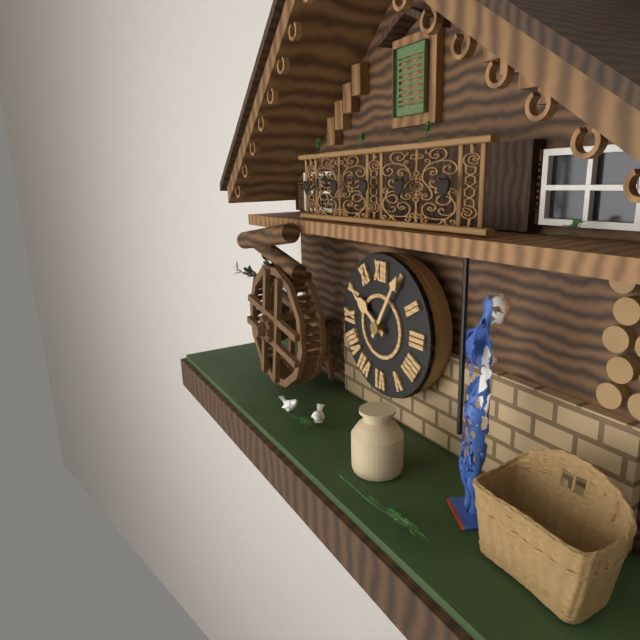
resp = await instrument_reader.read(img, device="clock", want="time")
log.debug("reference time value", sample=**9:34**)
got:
**10:05**
